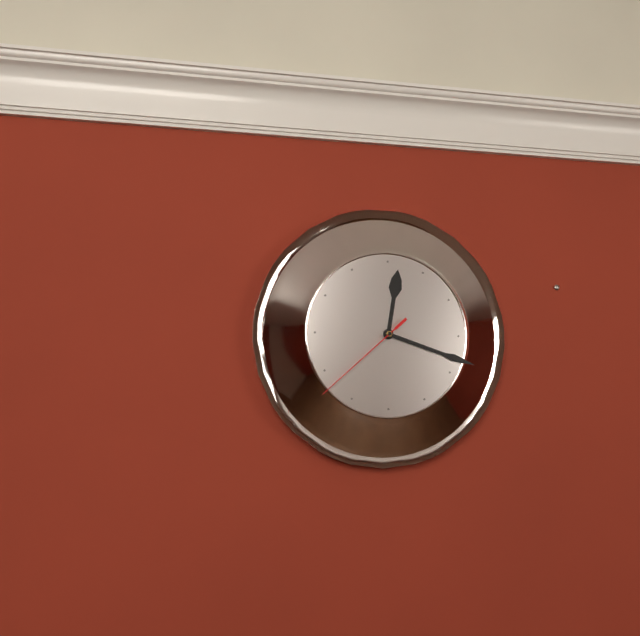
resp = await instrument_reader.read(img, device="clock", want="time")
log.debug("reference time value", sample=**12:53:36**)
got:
**12:18:38**
